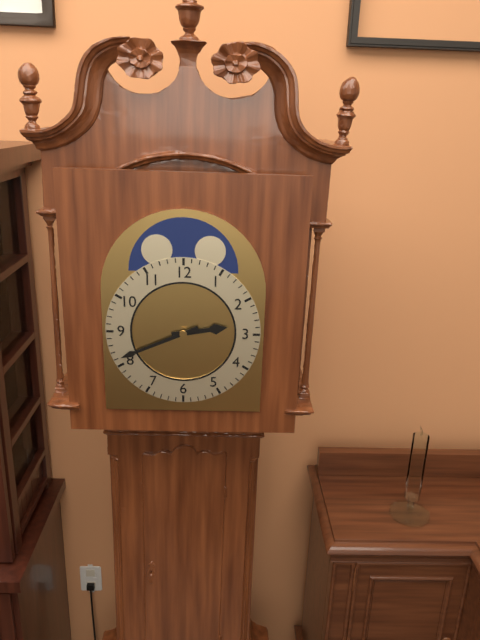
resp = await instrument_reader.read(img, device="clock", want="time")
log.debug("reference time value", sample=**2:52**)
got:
**2:41**
